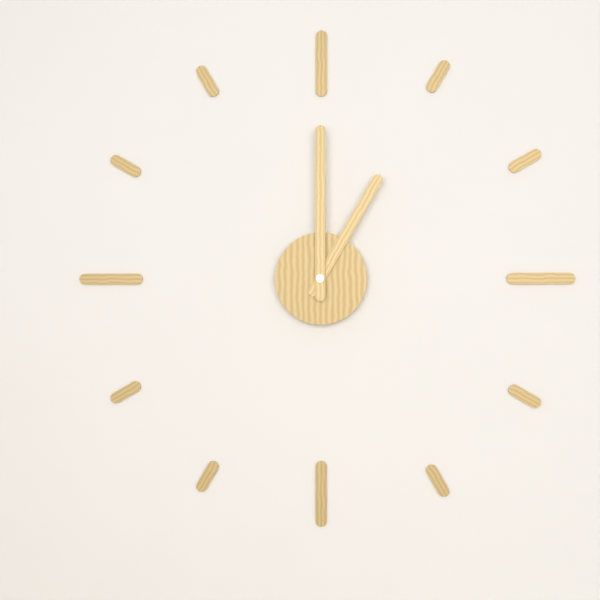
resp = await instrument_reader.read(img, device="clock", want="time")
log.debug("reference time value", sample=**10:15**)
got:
**1:00**
